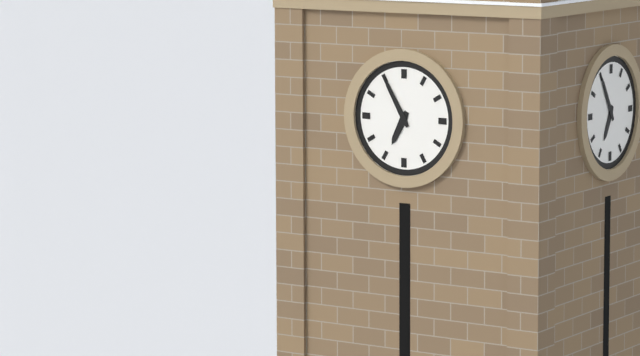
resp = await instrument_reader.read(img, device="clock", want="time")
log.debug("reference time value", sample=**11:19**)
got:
**6:55**
